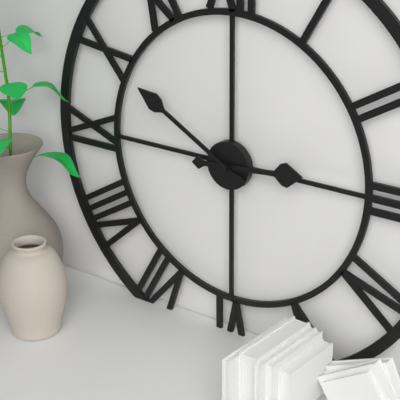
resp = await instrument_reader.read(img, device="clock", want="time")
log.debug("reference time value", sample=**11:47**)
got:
**2:50**
